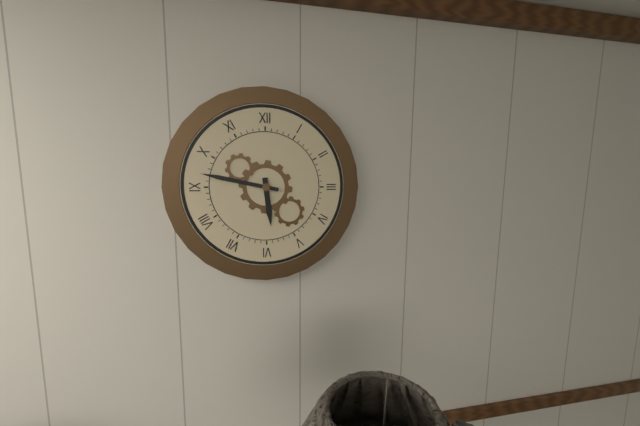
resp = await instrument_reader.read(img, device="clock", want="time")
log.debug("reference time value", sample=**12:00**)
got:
**5:47**
